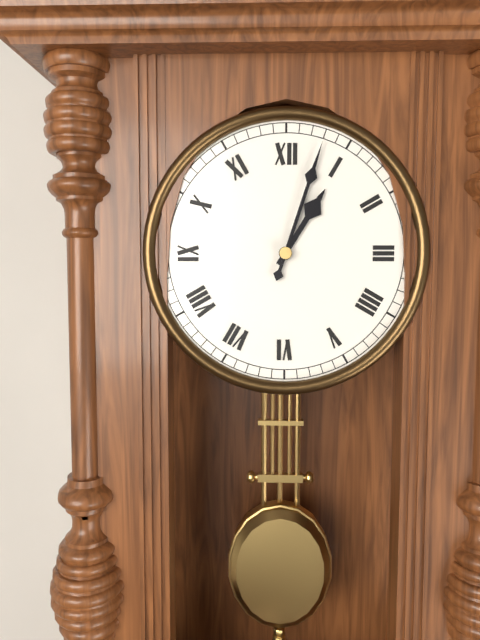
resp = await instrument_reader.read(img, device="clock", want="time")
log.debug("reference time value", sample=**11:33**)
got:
**1:03**
